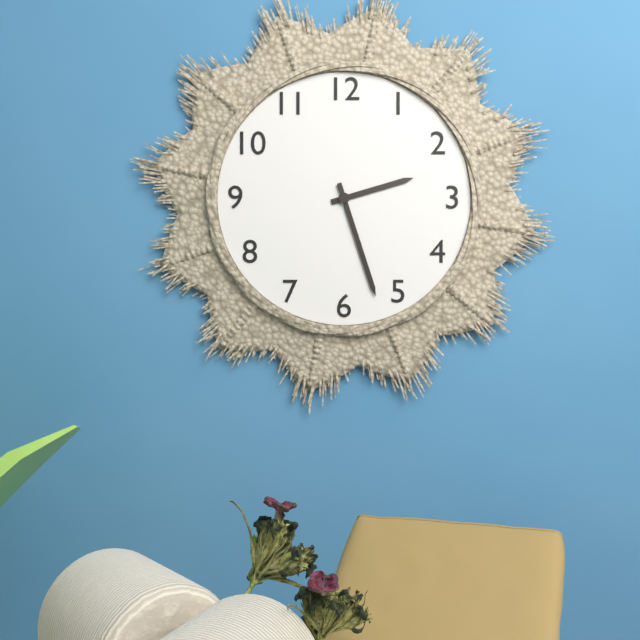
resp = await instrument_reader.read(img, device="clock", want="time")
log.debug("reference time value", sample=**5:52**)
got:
**2:27**
